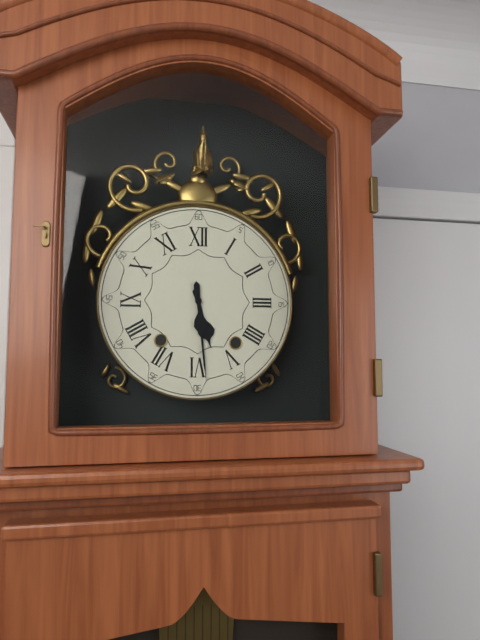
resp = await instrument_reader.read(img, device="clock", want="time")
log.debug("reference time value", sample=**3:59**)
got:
**5:29**
